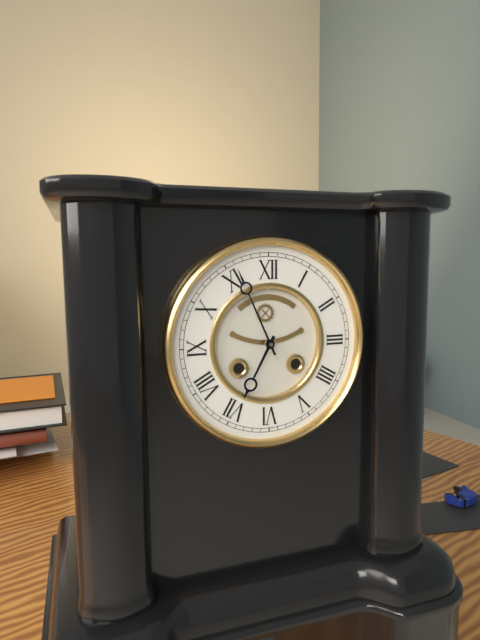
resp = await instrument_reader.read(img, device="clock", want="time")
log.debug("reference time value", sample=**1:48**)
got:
**6:56**
